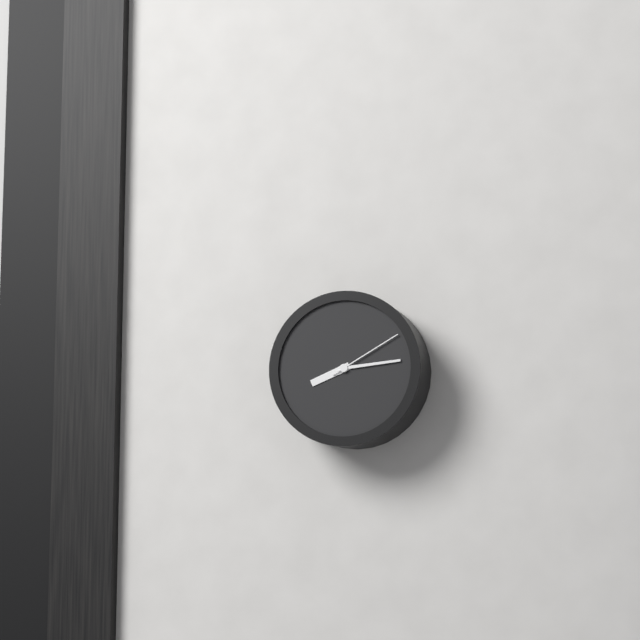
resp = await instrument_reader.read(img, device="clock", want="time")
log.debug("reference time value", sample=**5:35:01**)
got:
**8:14:10**
